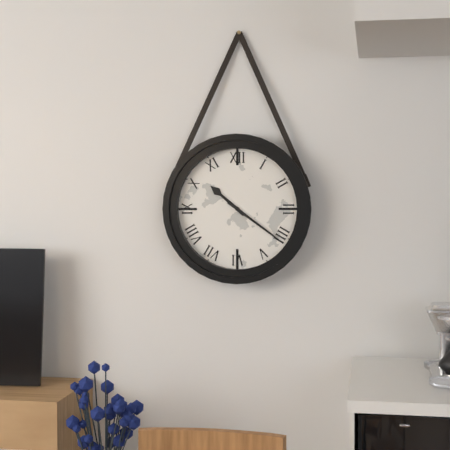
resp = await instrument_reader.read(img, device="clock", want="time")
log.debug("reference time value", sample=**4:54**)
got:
**10:21**
